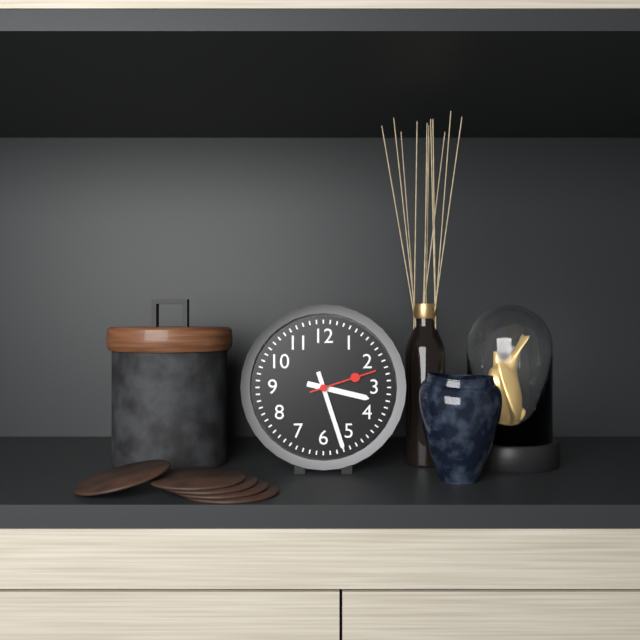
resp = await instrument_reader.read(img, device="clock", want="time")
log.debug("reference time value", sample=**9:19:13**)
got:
**3:27:12**
